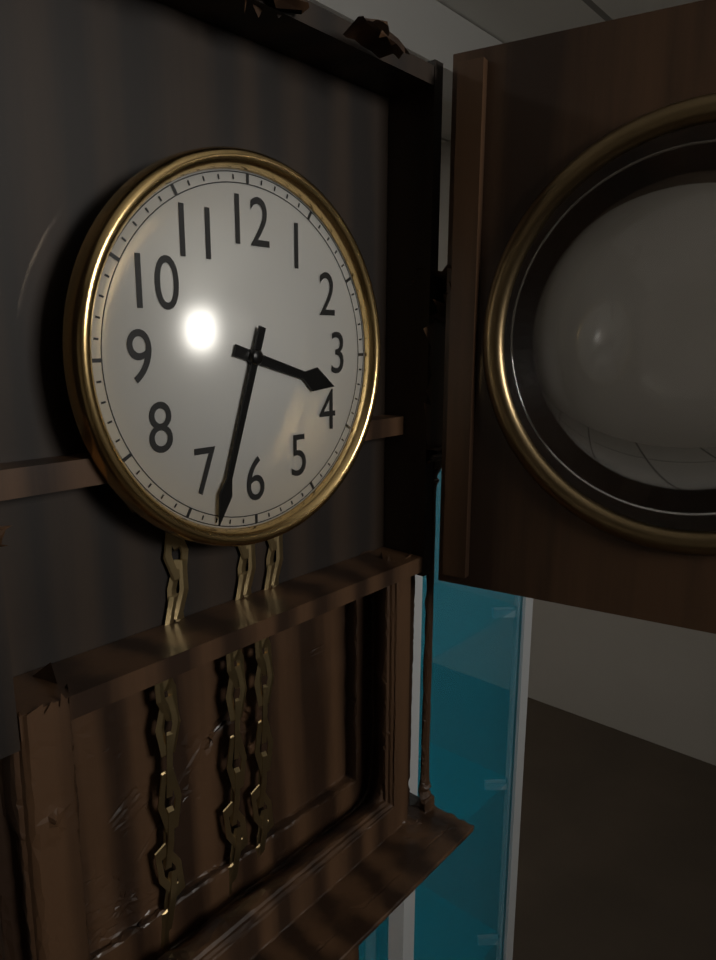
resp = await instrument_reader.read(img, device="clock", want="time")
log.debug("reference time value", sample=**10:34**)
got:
**3:33**
